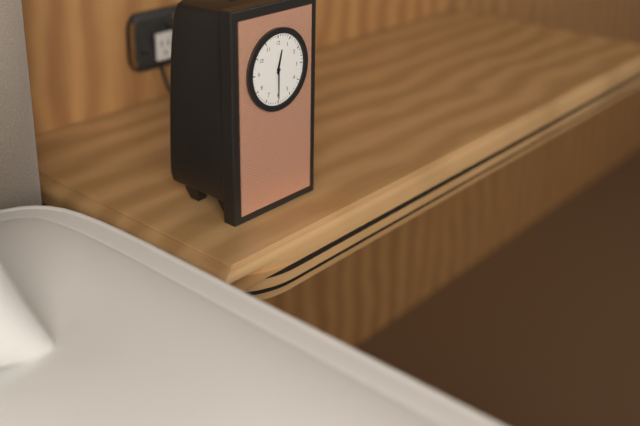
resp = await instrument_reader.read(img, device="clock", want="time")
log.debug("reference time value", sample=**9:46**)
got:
**12:30**
